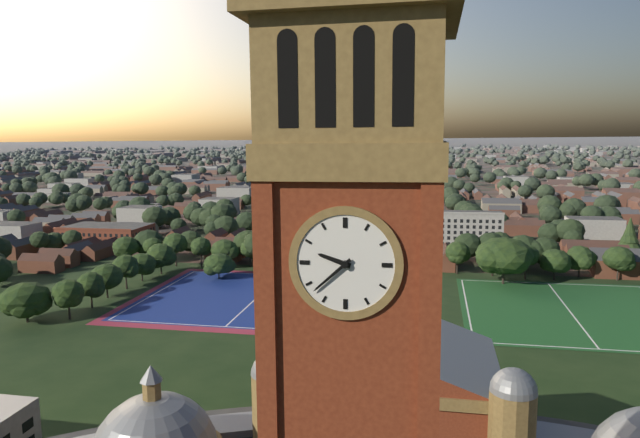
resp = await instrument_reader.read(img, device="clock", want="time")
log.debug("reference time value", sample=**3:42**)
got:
**9:38**
